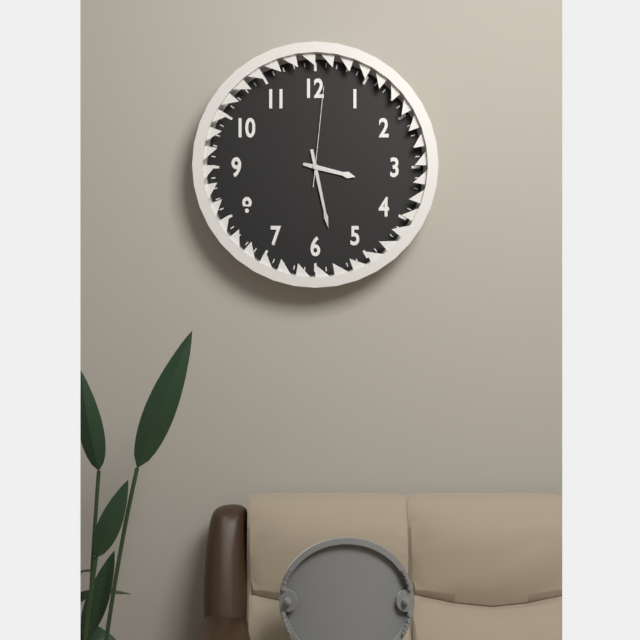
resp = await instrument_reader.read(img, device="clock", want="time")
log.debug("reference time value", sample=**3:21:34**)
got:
**3:28:01**
